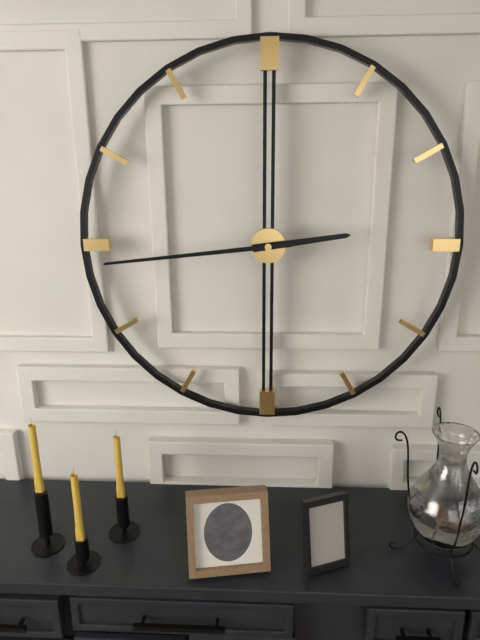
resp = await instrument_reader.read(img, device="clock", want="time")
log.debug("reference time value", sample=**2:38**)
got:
**2:44**
